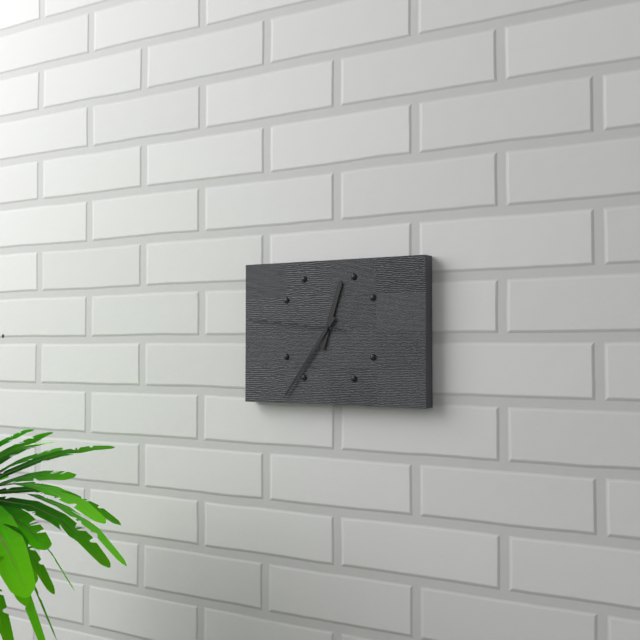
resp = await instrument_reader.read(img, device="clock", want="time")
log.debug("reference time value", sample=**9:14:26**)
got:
**12:36:46**
